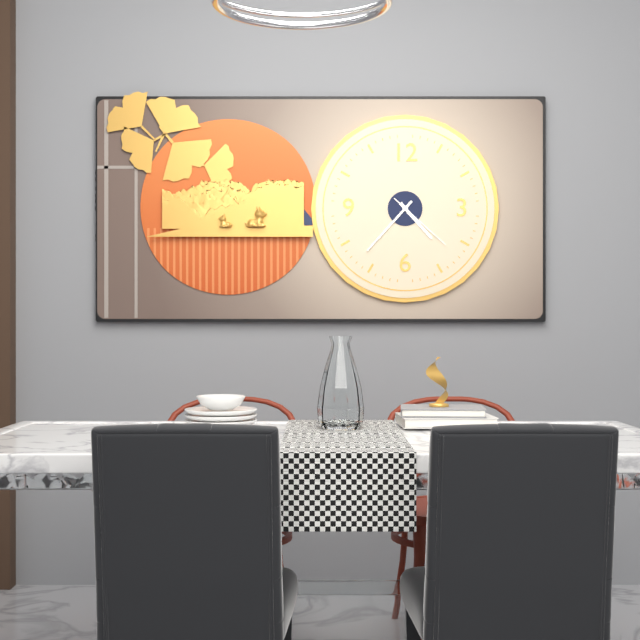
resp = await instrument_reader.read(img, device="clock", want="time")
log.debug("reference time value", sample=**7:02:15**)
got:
**4:37:22**
